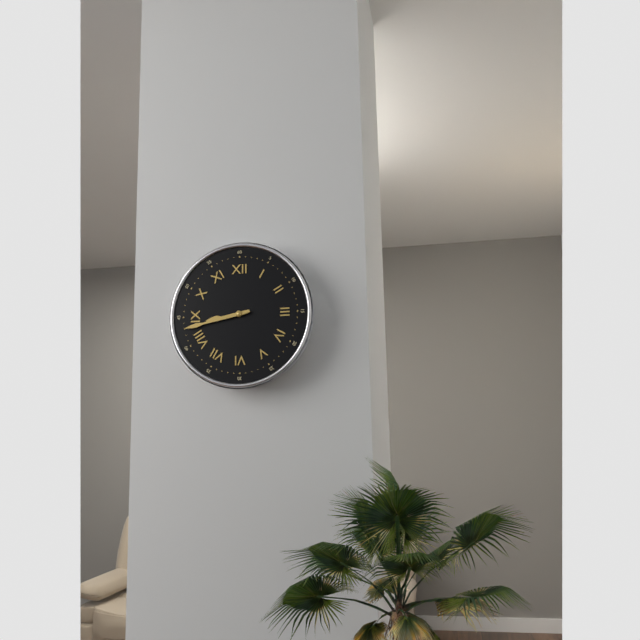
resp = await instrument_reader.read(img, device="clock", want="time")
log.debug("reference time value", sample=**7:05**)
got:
**8:43**
